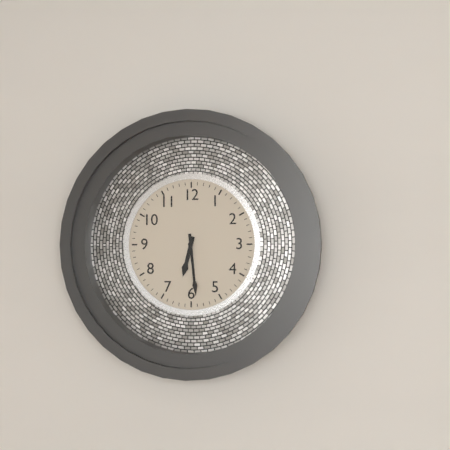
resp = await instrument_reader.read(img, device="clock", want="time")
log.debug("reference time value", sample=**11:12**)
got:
**6:29**
